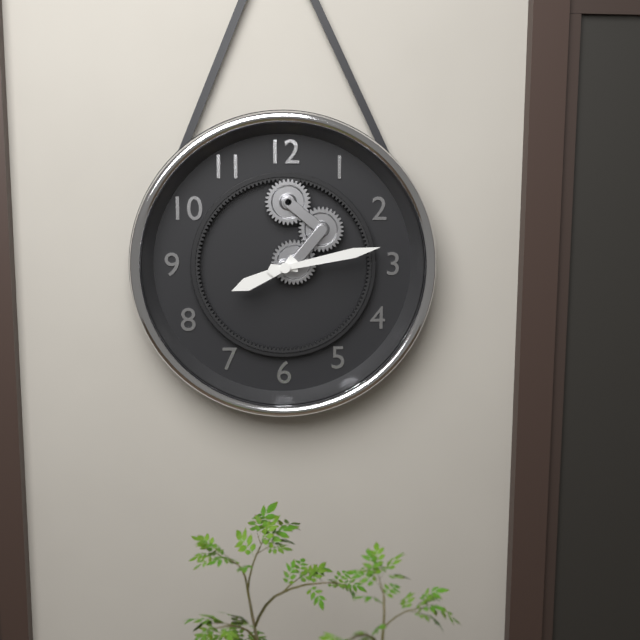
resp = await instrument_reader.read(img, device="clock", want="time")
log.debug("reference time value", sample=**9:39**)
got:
**8:13**
